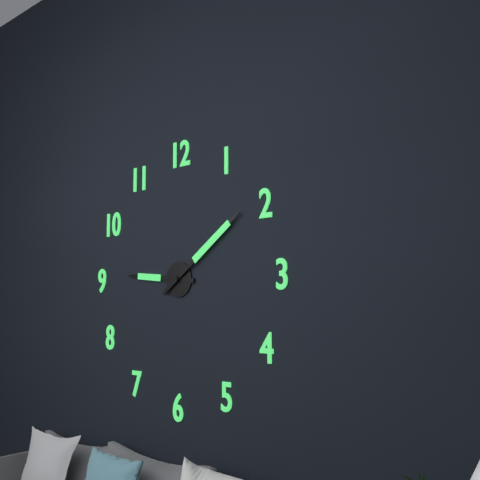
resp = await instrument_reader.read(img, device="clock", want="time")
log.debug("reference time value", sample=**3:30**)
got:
**9:09**
